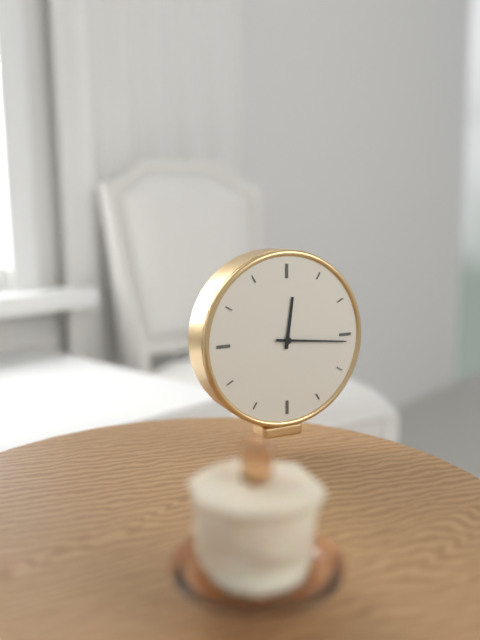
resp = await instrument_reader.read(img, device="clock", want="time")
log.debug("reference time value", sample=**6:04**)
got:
**12:16**
